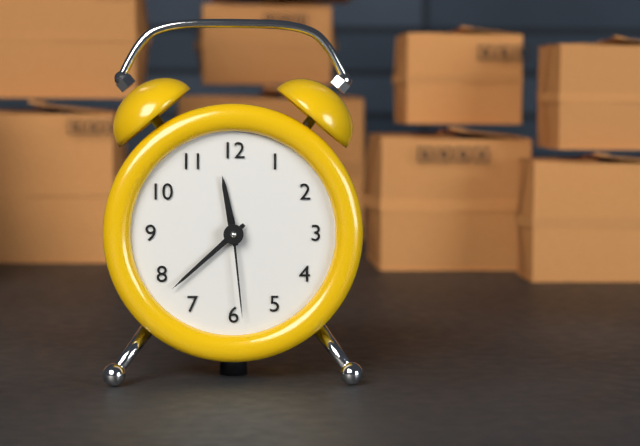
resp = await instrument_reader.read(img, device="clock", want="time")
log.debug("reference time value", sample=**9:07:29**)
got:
**11:38:29**
